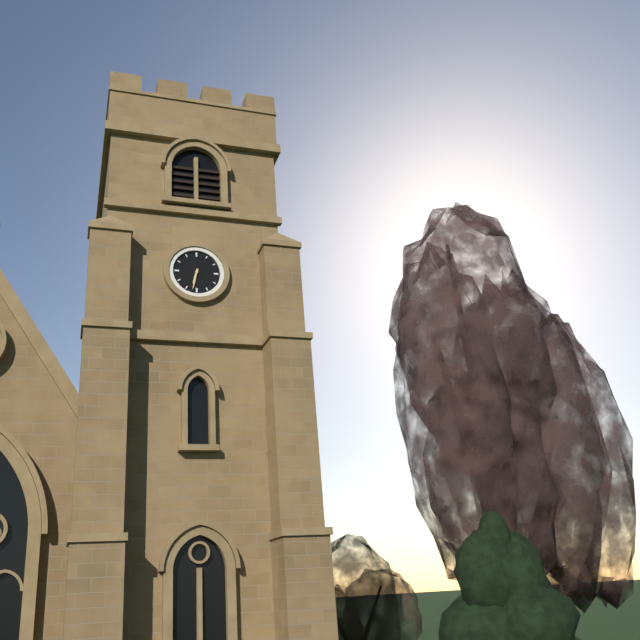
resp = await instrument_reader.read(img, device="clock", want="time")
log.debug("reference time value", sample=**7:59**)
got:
**6:32**
